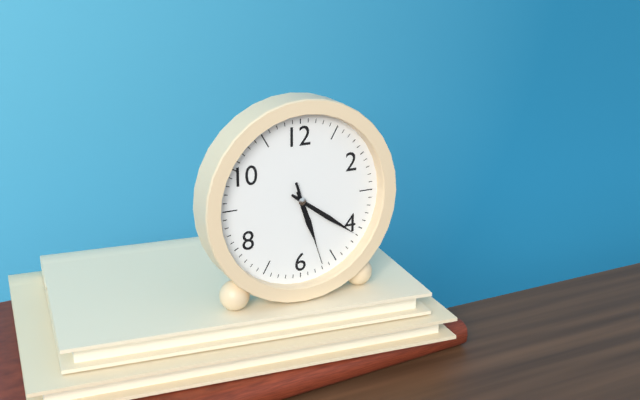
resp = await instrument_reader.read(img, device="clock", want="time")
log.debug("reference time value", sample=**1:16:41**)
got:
**5:21:27**
